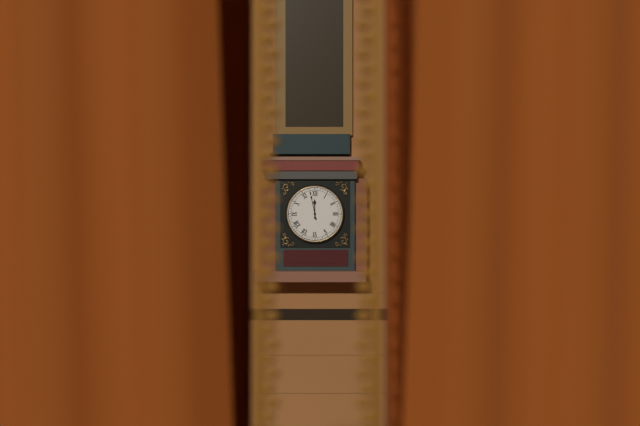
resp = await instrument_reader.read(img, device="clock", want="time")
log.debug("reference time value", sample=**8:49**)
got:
**11:58**
